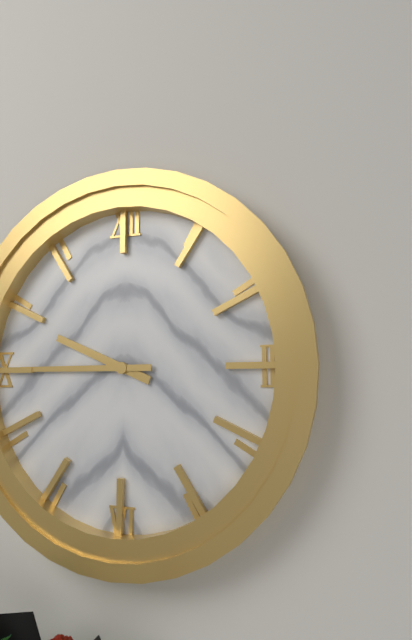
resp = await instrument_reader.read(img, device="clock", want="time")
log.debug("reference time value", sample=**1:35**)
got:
**9:45**
